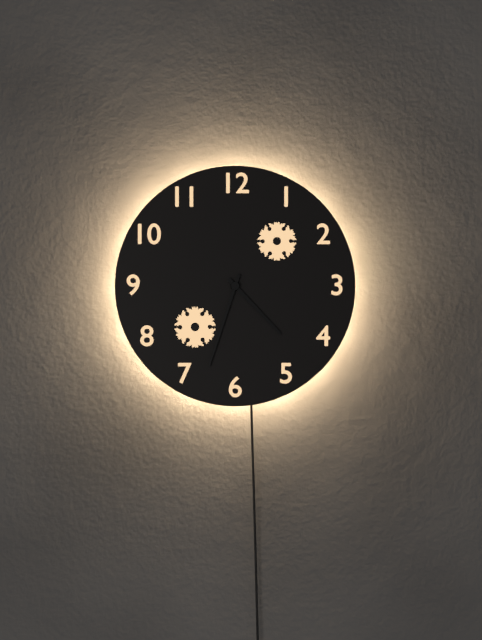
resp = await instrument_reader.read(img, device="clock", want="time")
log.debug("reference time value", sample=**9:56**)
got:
**4:33**
